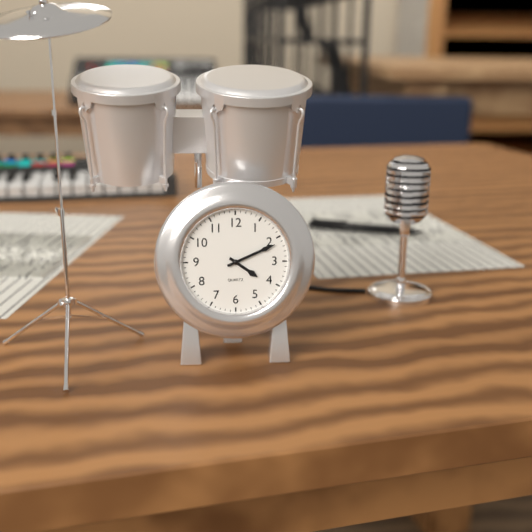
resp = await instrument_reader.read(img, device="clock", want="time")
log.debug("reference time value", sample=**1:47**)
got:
**4:11**
